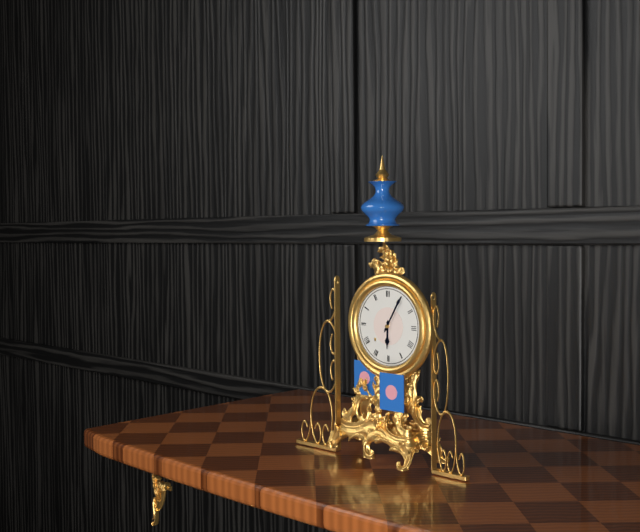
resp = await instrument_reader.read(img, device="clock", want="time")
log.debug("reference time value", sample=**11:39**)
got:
**6:05**
